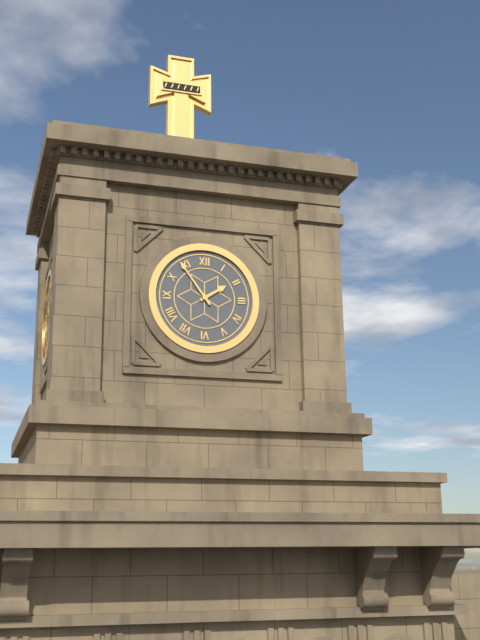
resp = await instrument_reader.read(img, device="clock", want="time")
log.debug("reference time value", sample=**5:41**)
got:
**1:54**
